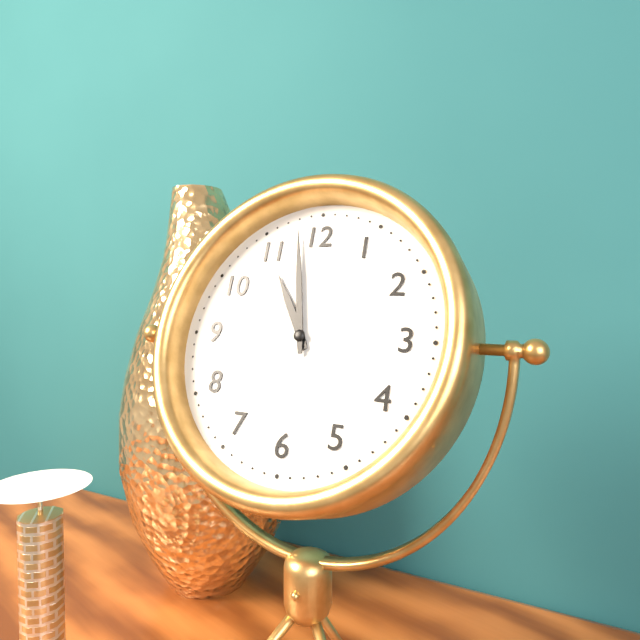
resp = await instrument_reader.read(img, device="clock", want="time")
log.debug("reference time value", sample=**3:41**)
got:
**10:58**
